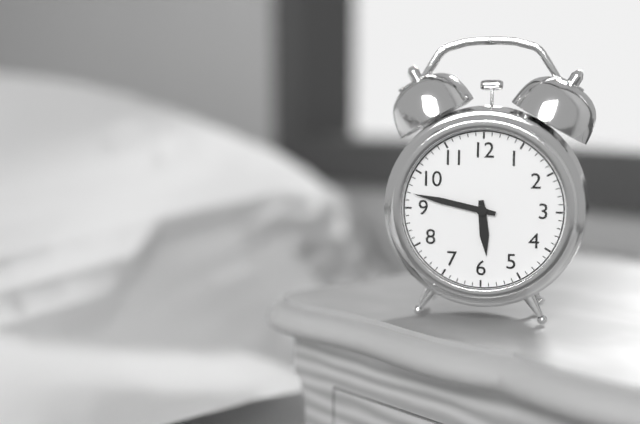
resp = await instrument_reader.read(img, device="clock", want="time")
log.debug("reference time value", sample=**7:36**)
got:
**5:47**
